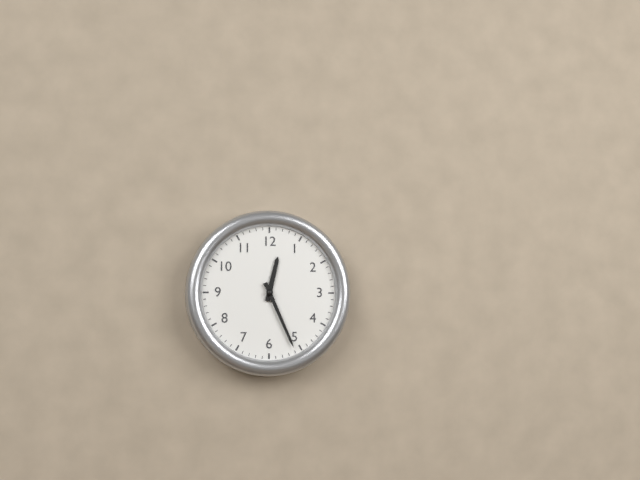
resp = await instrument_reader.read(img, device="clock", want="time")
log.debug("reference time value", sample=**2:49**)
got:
**12:26**
